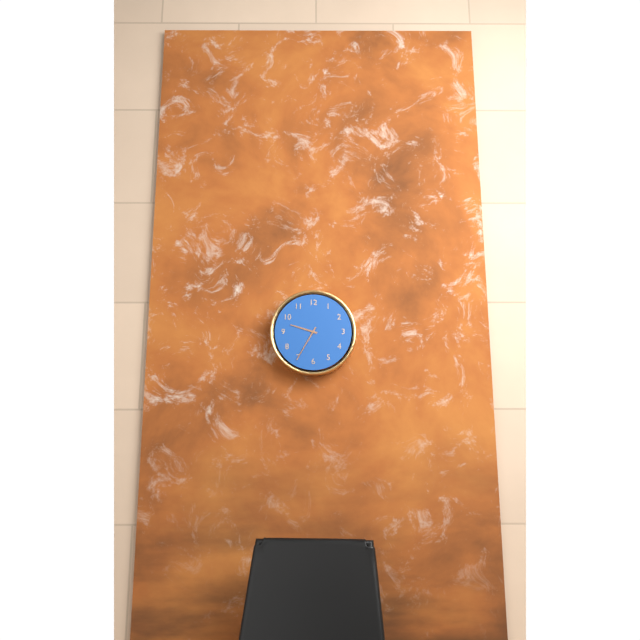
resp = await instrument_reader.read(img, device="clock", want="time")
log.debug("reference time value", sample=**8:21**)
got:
**9:35**
